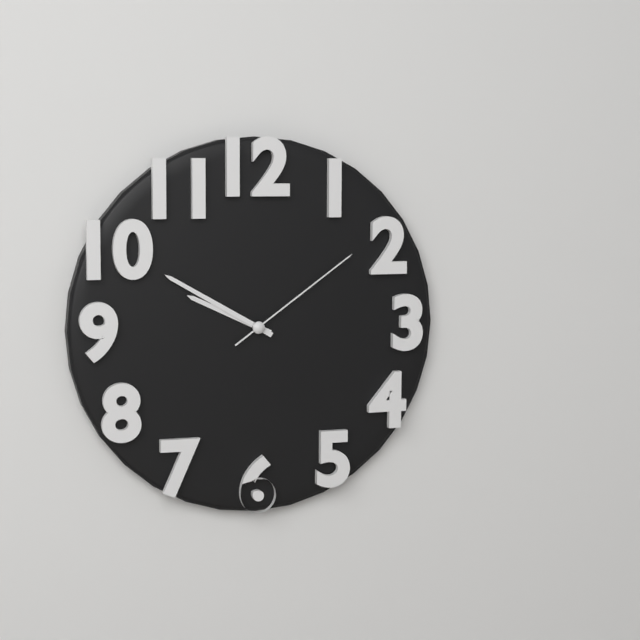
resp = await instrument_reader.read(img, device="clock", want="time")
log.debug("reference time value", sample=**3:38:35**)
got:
**9:50:09**
